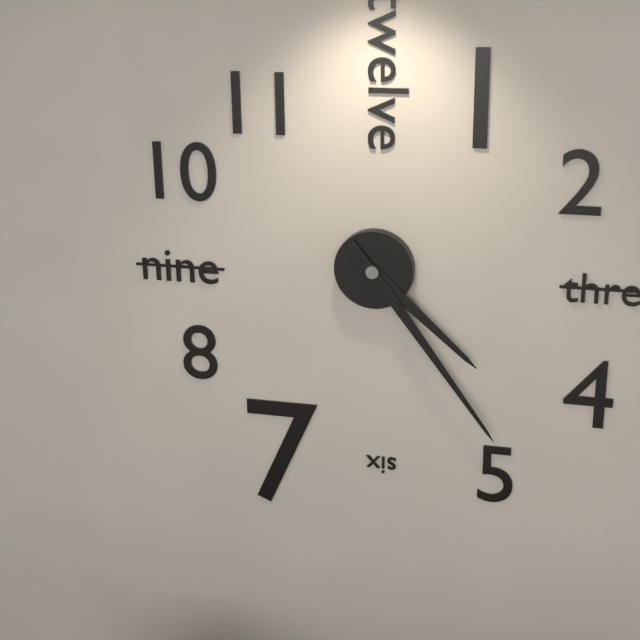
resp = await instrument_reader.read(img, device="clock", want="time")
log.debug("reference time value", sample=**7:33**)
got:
**4:24**
